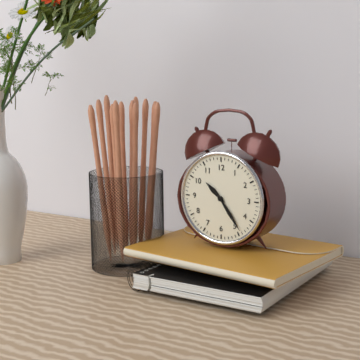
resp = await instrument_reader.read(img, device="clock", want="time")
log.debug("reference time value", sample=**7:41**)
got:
**10:24**
